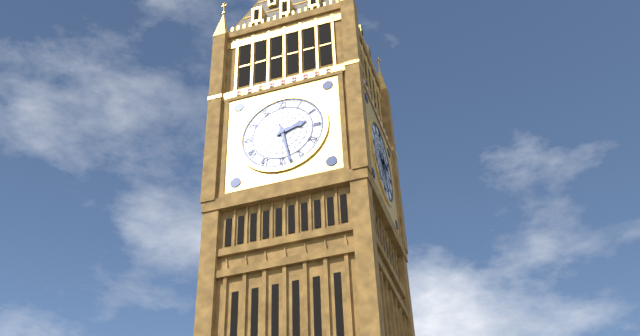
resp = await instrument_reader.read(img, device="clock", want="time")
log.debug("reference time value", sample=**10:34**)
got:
**2:28**
